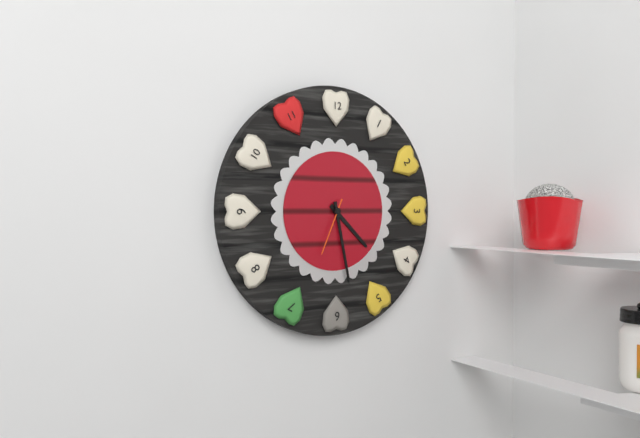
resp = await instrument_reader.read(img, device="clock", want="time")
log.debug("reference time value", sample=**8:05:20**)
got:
**4:28:34**
